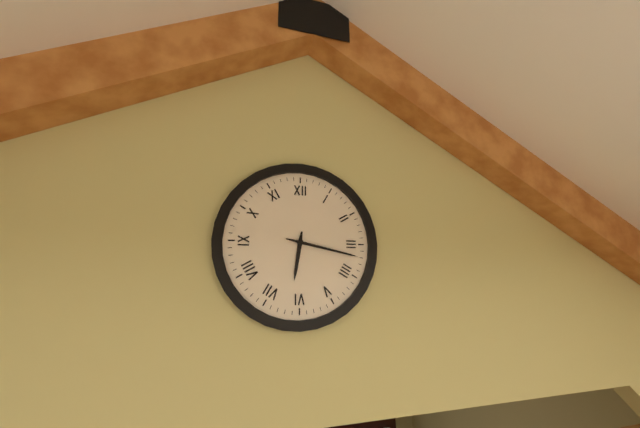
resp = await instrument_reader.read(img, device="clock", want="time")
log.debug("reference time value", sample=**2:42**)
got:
**6:17**
